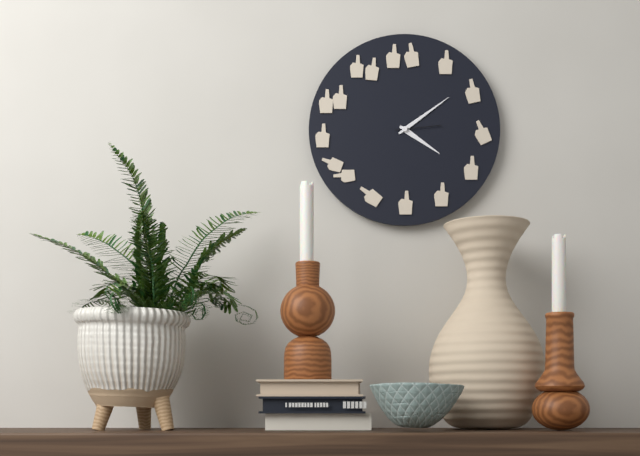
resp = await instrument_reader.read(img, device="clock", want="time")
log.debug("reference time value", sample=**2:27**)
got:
**4:09**
